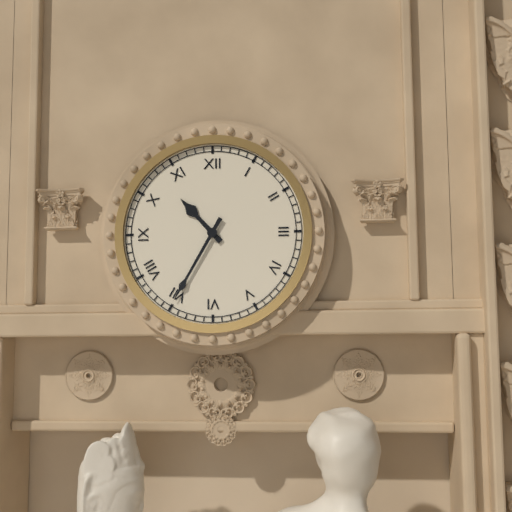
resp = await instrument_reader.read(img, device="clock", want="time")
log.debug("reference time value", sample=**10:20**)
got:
**10:35**
